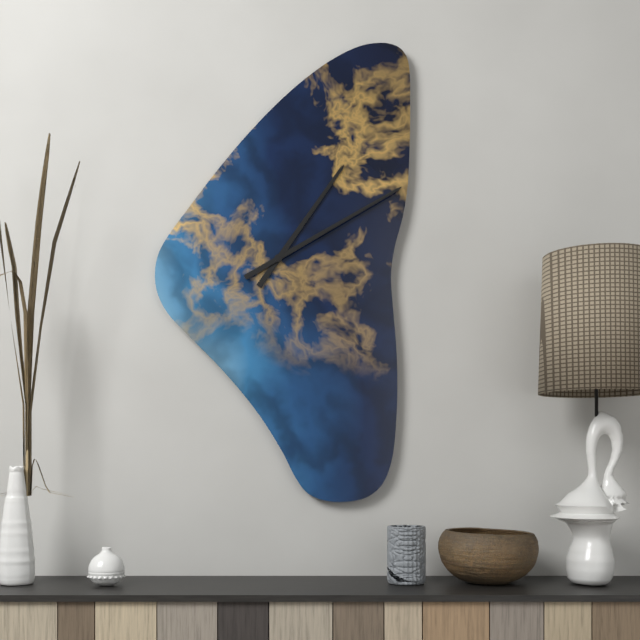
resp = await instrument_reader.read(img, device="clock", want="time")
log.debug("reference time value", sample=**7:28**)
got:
**1:10**
